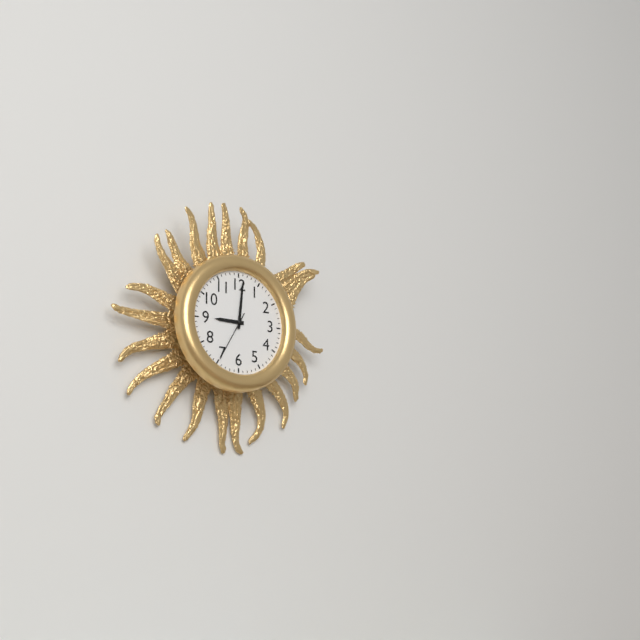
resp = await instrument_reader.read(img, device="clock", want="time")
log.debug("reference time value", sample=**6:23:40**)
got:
**9:01:35**
